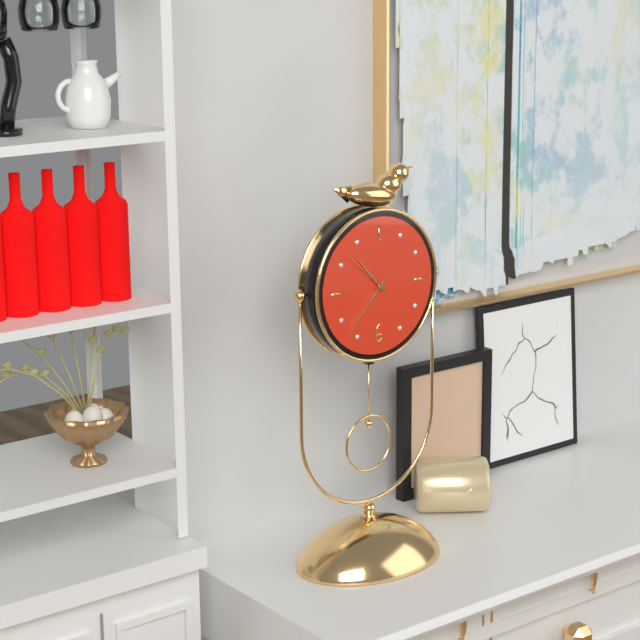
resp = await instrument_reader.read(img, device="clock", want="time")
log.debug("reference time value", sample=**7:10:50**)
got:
**10:37:52**
